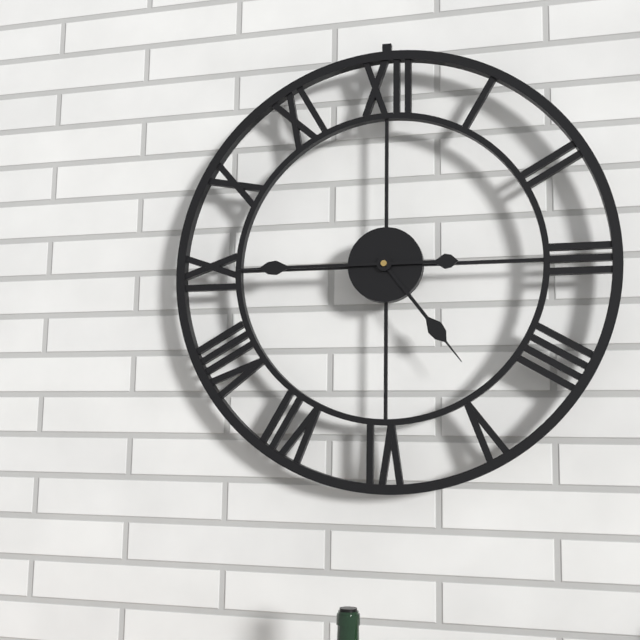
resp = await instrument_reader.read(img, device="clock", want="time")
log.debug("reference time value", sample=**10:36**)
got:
**4:45**
